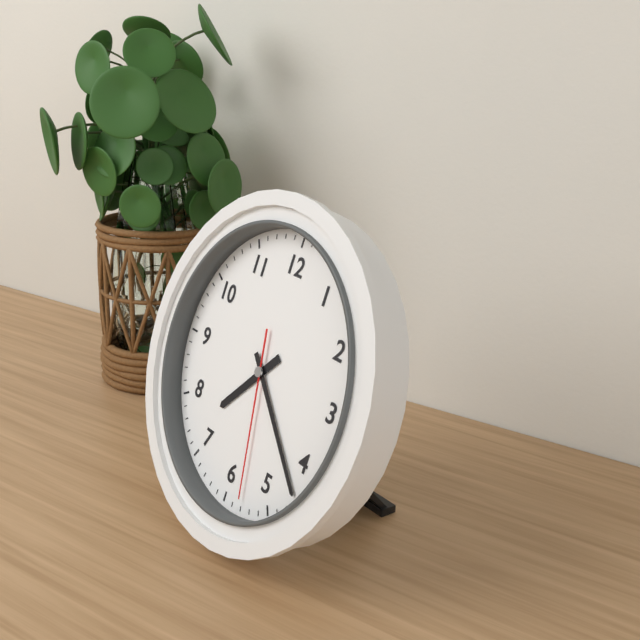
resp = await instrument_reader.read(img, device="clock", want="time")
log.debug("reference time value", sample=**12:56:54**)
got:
**7:22:28**
